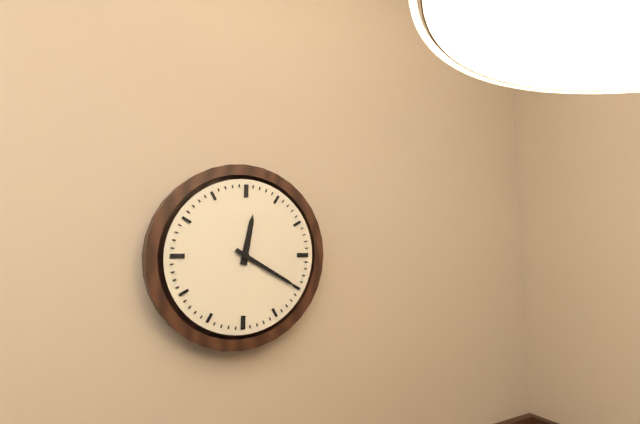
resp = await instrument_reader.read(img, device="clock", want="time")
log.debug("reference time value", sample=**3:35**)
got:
**12:20**
